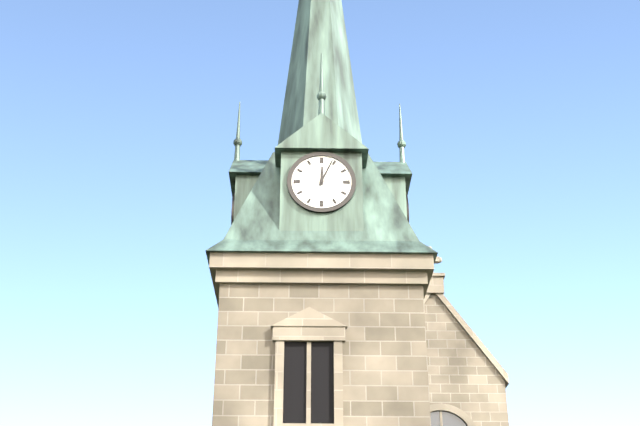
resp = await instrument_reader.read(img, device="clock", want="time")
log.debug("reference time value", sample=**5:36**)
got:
**12:04**
